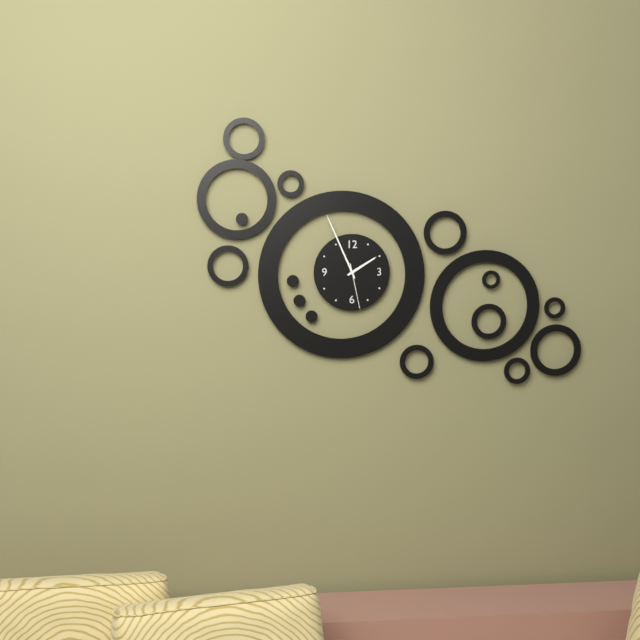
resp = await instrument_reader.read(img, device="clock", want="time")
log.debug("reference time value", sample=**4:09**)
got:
**1:56**
